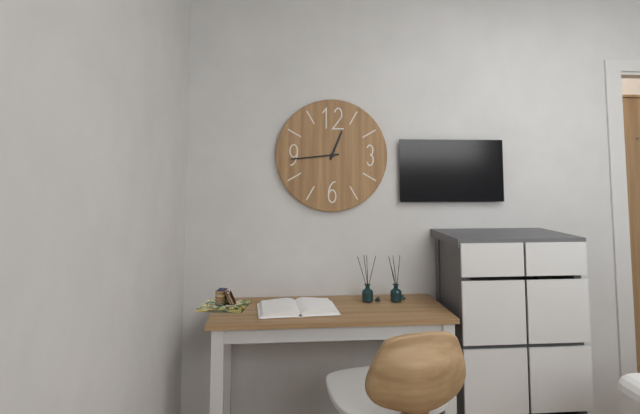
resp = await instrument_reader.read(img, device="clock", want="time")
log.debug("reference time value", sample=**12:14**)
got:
**12:44**
